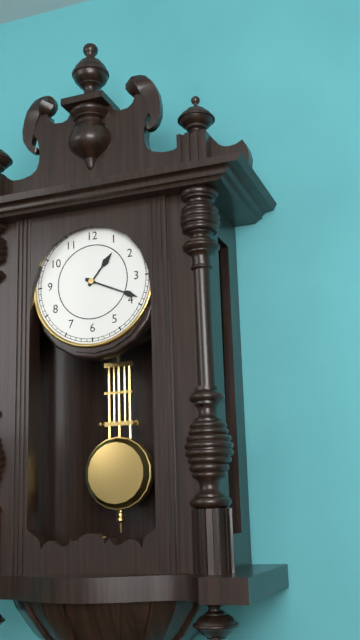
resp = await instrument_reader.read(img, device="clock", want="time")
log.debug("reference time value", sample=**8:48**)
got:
**1:19**
